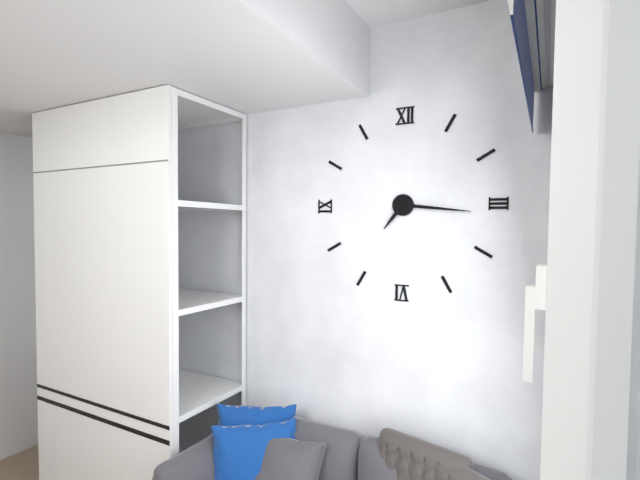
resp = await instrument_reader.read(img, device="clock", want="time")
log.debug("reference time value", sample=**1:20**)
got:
**7:16**
